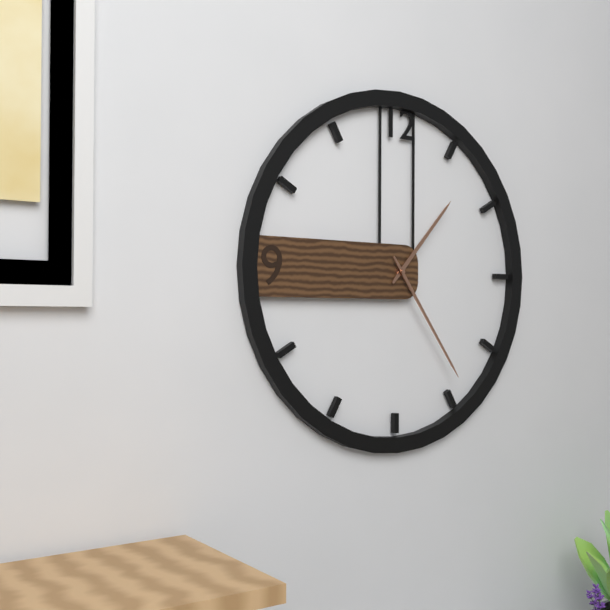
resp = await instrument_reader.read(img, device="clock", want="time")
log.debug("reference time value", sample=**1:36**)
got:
**1:24**
